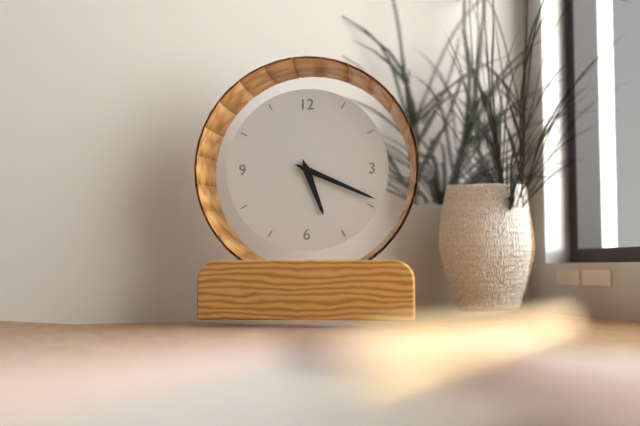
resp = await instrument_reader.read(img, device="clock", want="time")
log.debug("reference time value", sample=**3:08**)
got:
**5:19**
